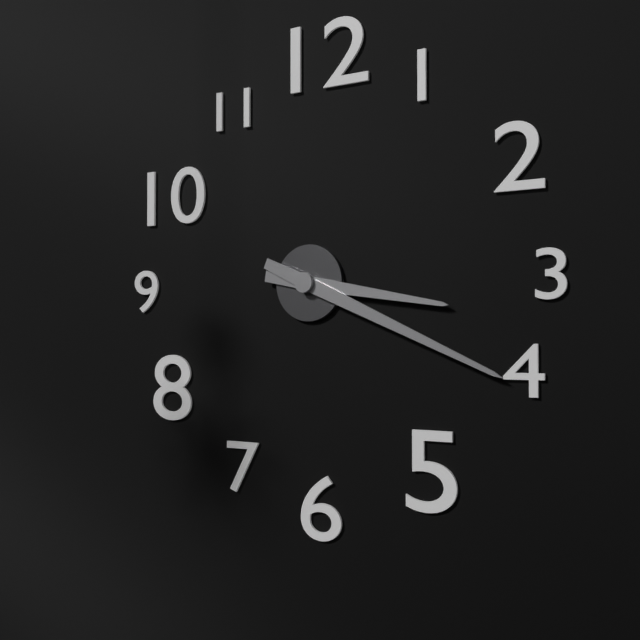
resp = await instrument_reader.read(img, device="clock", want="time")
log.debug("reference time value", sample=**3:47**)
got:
**3:19**
